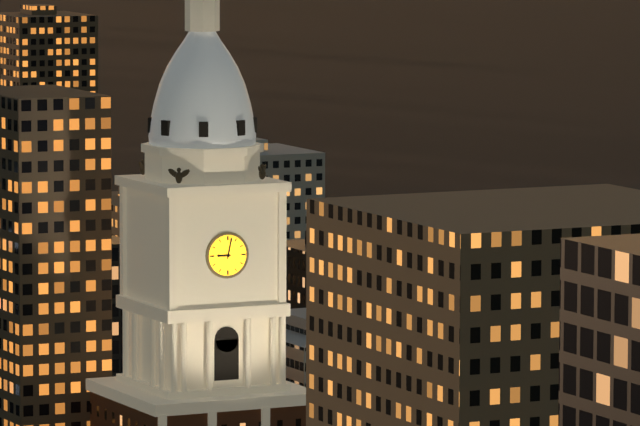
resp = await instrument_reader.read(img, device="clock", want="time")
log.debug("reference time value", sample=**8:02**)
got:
**9:02**
